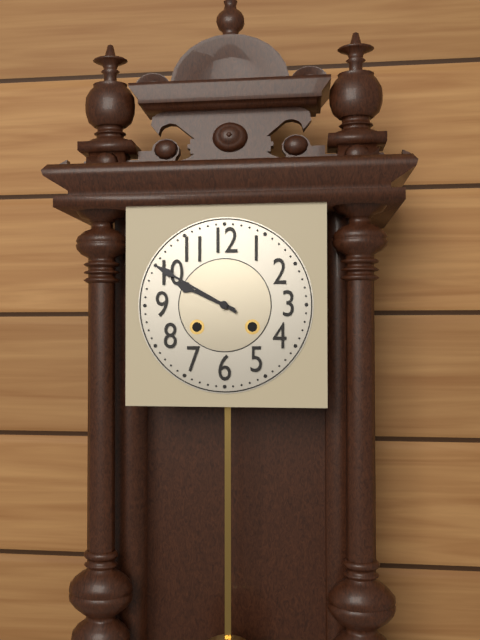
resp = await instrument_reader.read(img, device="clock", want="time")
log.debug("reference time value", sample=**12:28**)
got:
**9:50**
